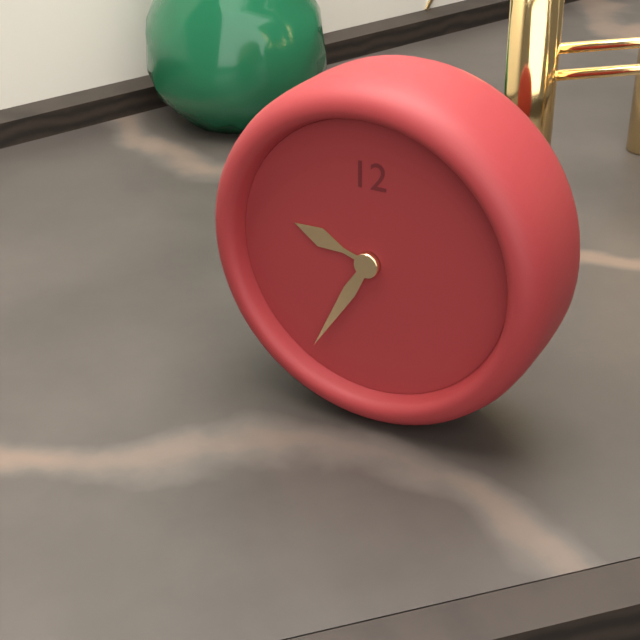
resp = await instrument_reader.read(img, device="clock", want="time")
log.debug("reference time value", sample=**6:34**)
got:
**9:35**
